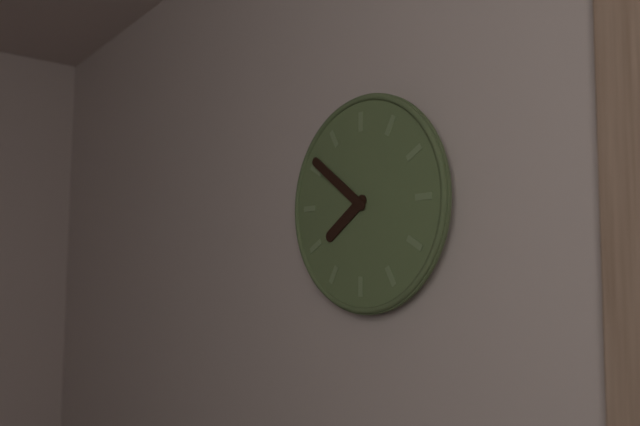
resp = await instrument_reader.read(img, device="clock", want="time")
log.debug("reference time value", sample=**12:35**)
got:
**7:51**
